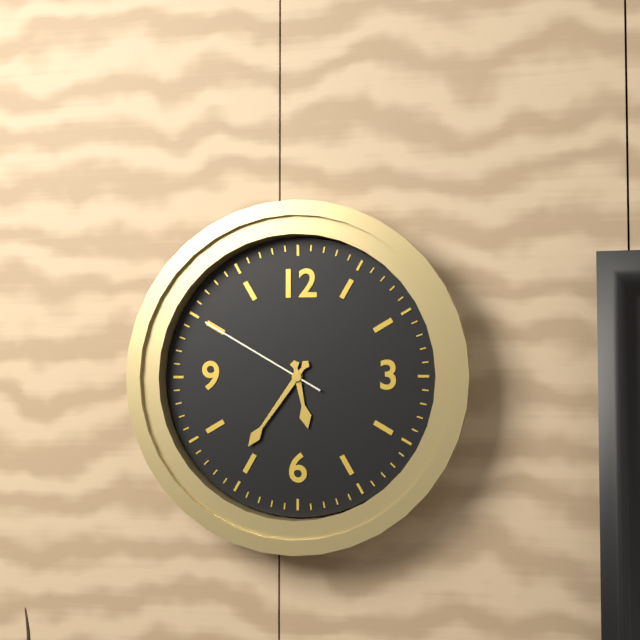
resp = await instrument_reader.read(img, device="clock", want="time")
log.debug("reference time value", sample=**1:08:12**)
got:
**5:36:50**
